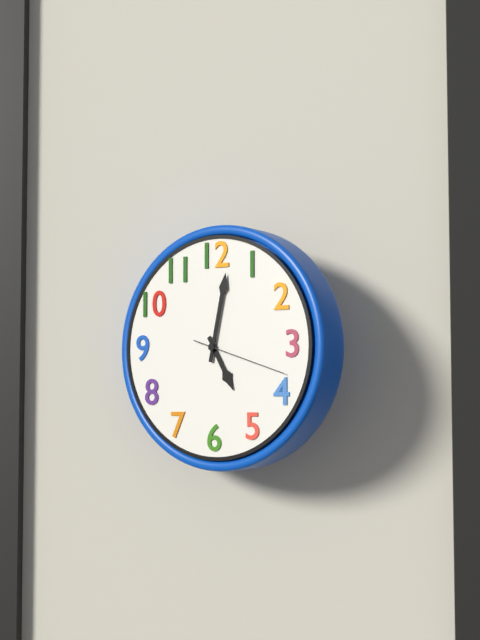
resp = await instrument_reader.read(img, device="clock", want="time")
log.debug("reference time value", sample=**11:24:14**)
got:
**5:02:18**
